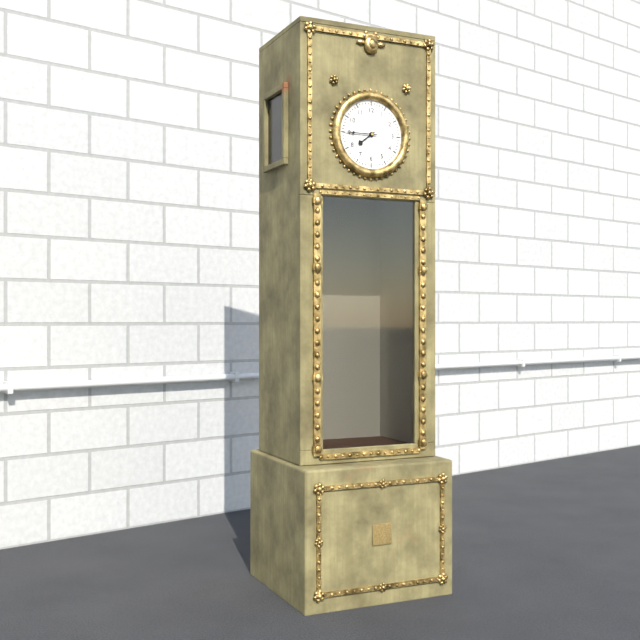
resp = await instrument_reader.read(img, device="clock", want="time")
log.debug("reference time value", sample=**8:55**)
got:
**7:45**
